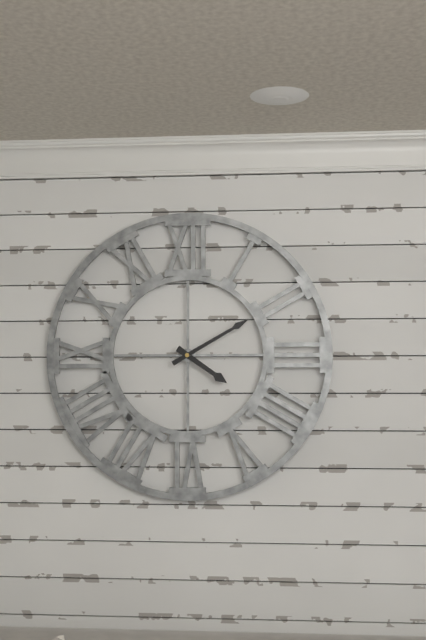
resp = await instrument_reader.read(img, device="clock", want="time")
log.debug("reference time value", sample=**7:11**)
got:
**4:10**
